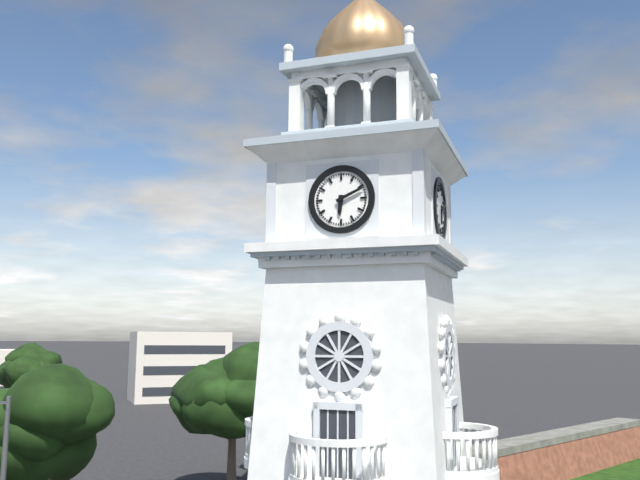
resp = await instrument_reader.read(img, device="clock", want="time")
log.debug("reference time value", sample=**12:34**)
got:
**6:11**
